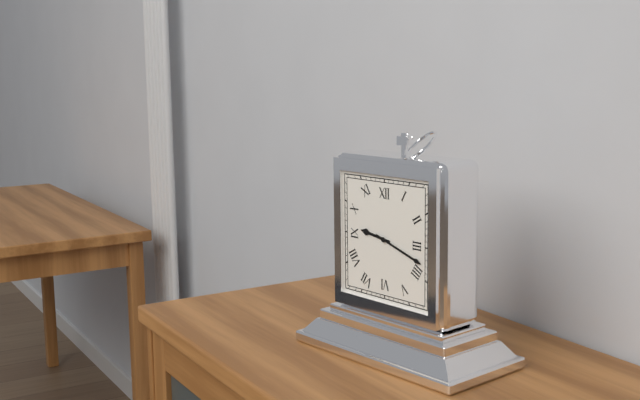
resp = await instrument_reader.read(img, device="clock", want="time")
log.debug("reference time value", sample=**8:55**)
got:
**9:18**
